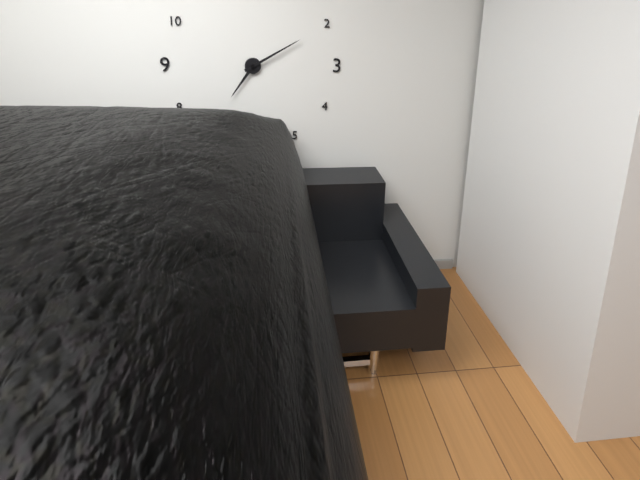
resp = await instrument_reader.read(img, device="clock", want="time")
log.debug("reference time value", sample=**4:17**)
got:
**7:10**
